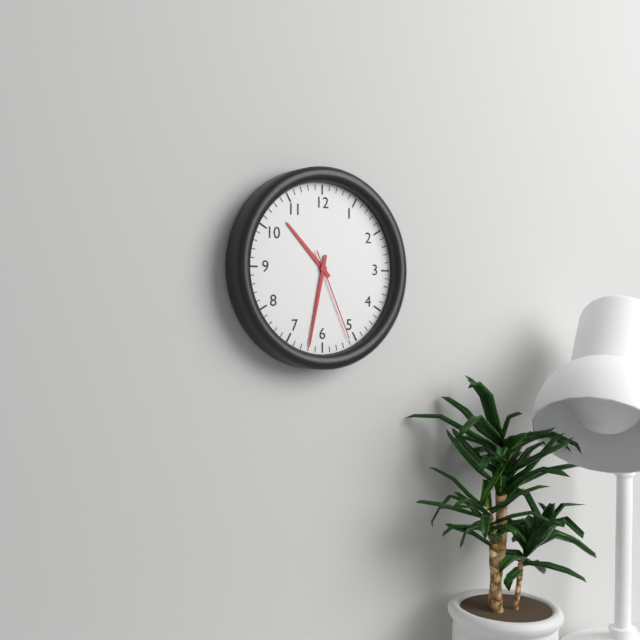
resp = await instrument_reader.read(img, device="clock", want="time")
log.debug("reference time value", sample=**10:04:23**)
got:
**10:32:26**
